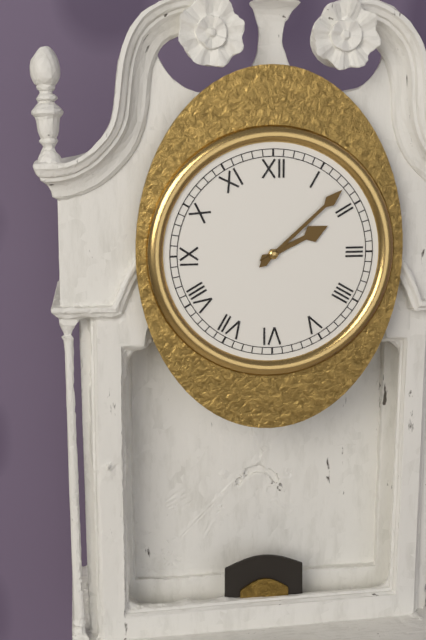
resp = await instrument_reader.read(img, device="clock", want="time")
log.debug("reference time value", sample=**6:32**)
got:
**2:08**
